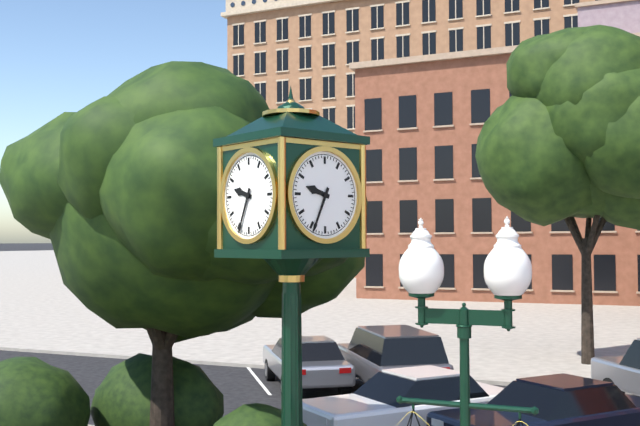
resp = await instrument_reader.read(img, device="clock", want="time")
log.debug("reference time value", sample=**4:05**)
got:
**9:34**
